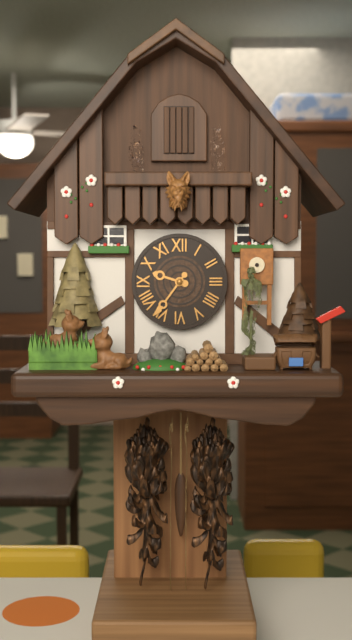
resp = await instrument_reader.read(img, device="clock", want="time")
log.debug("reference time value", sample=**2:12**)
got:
**9:36**
